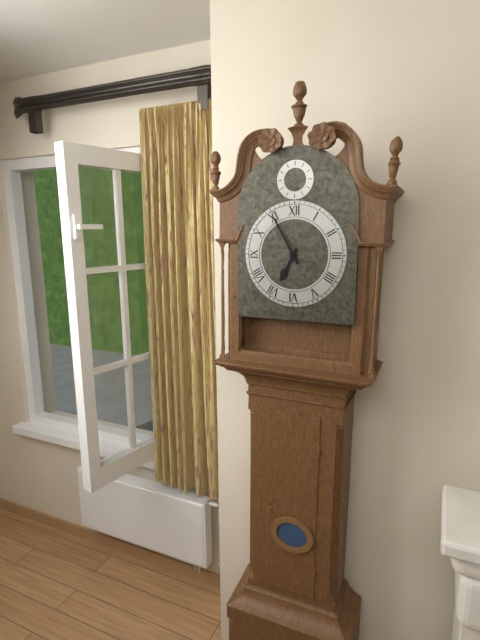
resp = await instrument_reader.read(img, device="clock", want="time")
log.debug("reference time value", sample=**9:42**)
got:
**6:55**
